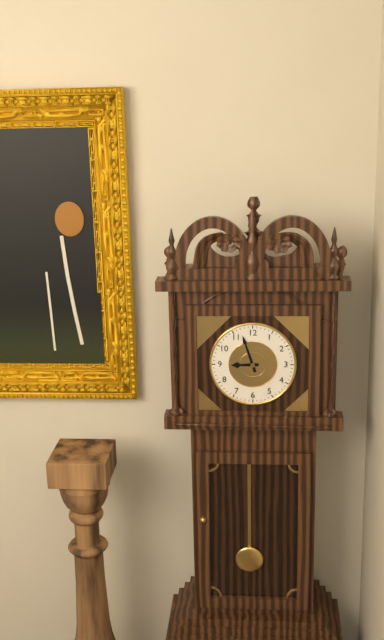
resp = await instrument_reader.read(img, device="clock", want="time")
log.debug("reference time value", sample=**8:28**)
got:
**8:57**
